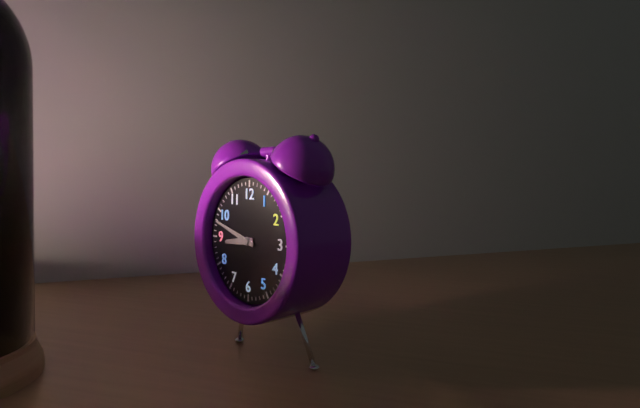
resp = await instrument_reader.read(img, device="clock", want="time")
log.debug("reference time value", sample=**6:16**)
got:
**8:48**
